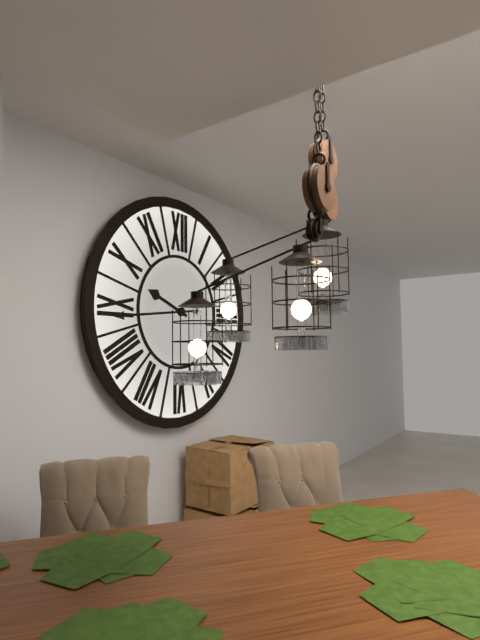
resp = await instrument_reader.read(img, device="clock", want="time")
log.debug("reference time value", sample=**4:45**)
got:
**9:44**
